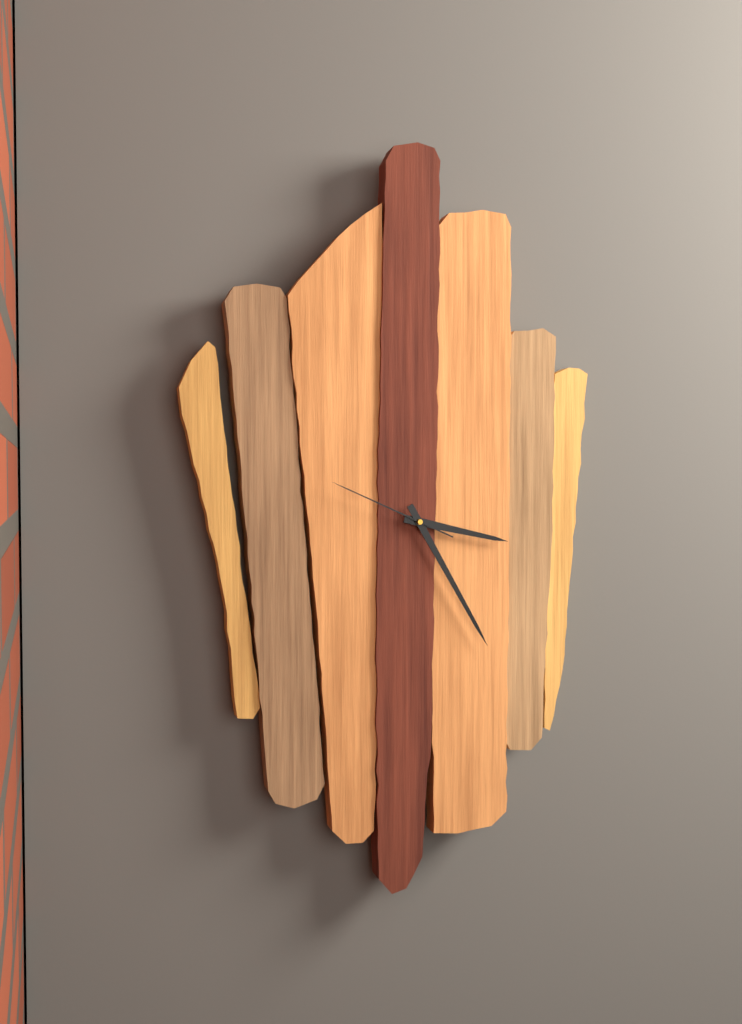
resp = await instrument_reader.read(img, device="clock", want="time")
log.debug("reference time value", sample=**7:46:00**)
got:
**3:25:49**
